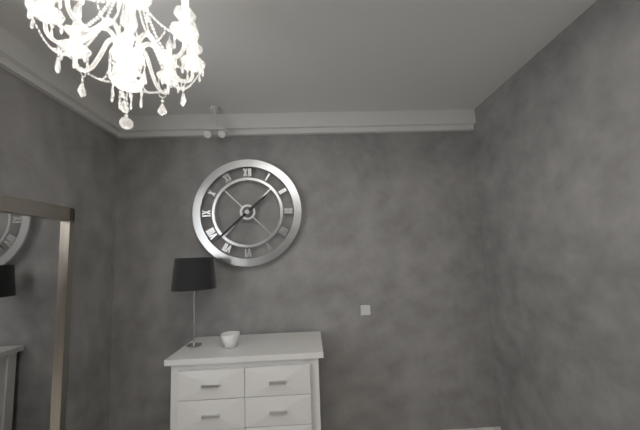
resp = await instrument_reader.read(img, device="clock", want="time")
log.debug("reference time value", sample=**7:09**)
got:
**1:38**
